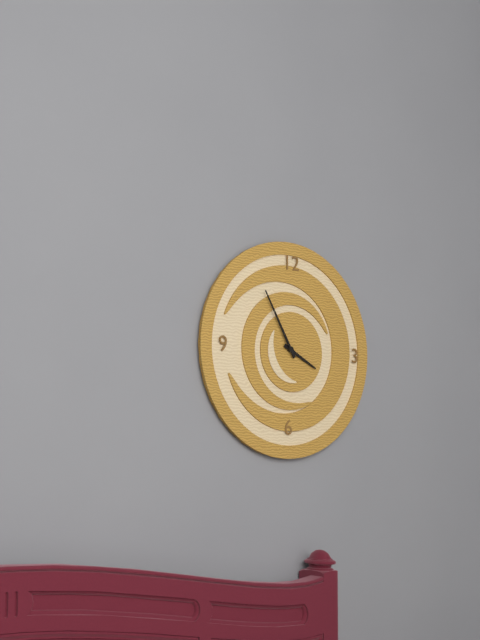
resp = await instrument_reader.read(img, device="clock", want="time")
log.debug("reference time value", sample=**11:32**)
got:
**3:55**
